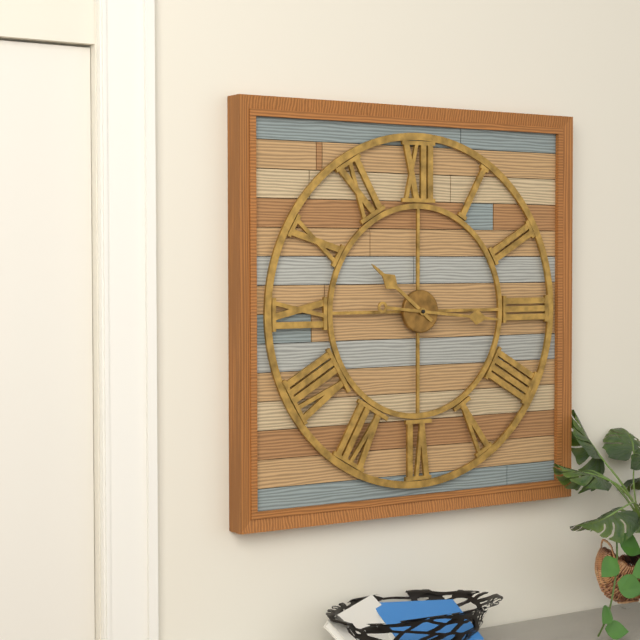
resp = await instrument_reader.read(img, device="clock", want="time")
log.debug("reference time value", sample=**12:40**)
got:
**10:16**
